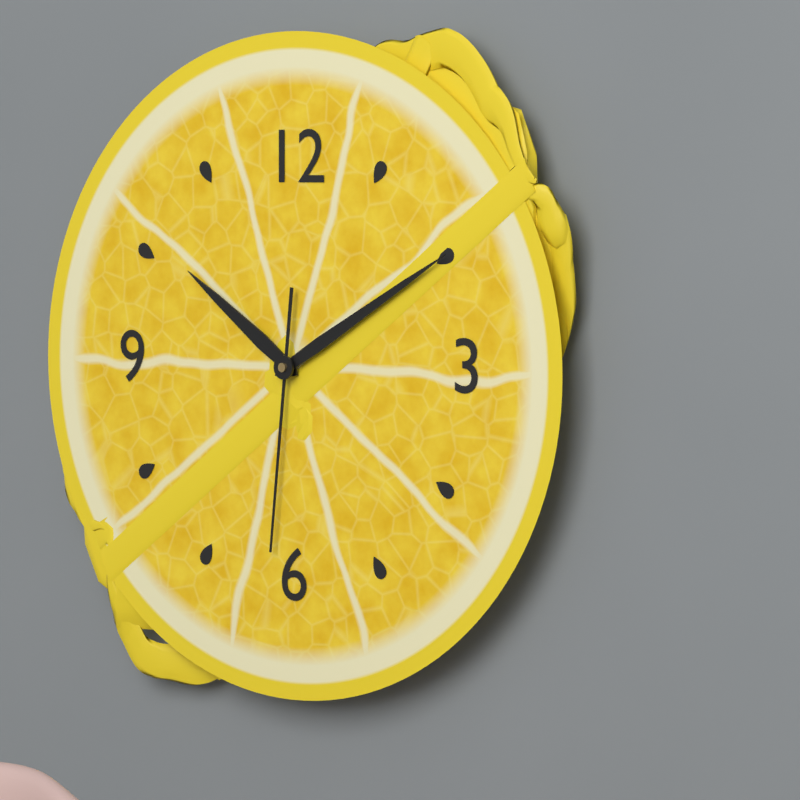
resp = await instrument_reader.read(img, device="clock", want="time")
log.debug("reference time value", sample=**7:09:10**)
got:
**10:10:31**
